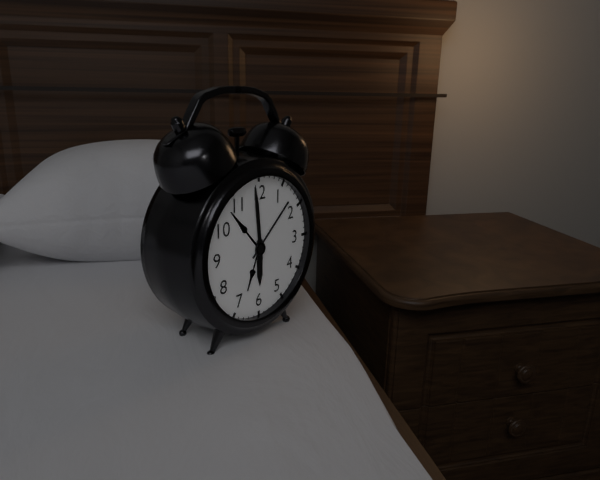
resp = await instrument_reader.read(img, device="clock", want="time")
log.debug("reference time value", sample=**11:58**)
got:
**5:59**
